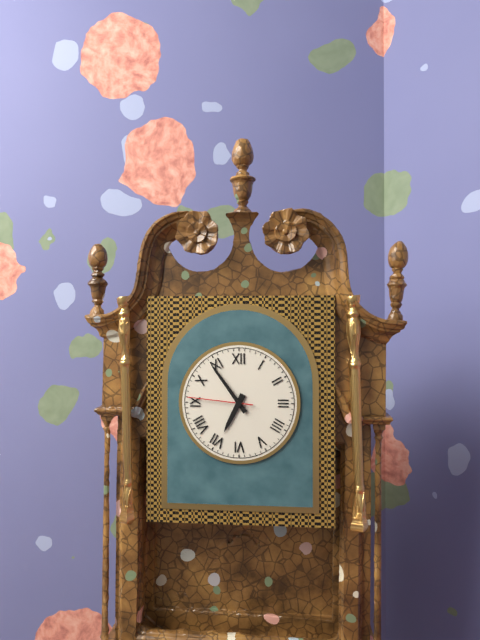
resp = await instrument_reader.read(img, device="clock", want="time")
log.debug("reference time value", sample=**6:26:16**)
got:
**6:54:46**
